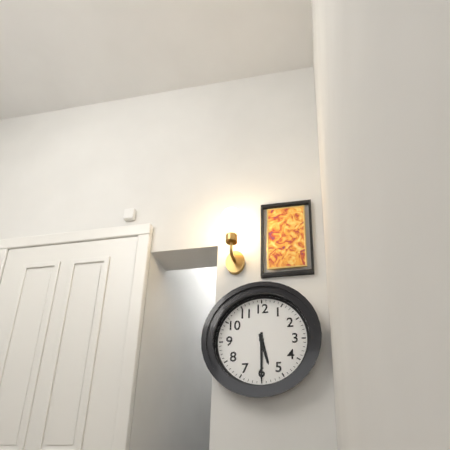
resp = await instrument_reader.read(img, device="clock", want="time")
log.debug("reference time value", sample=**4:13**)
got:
**5:30**
